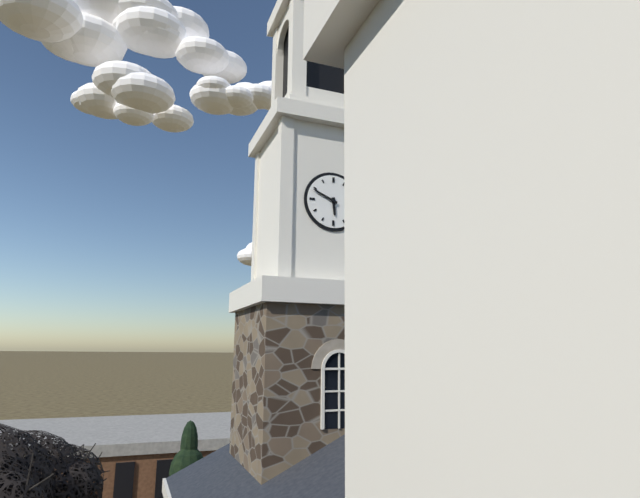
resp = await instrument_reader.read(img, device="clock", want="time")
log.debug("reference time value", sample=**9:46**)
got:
**5:49**
